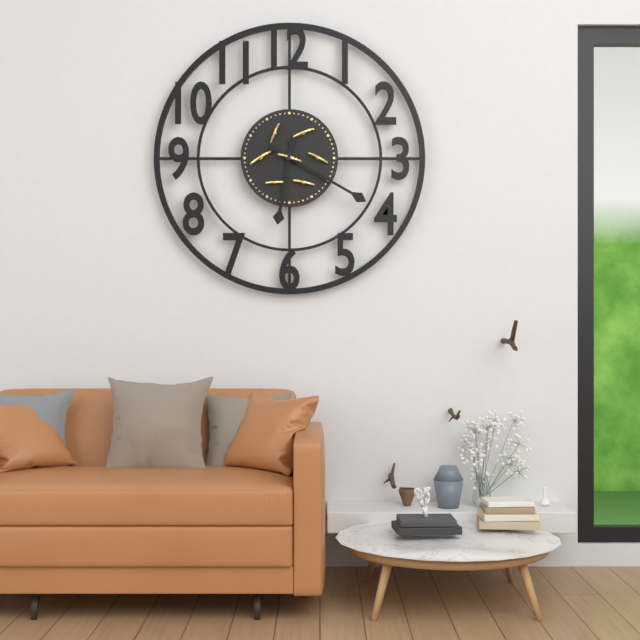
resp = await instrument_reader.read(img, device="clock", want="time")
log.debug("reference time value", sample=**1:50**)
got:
**6:20**
